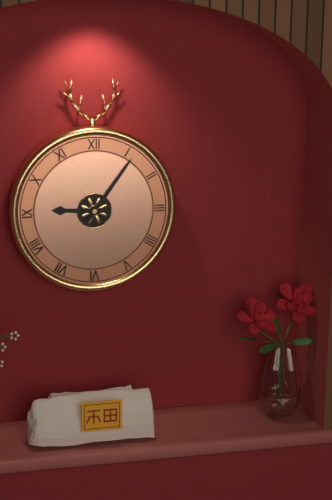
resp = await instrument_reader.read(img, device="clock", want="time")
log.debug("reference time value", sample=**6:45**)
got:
**9:06**
